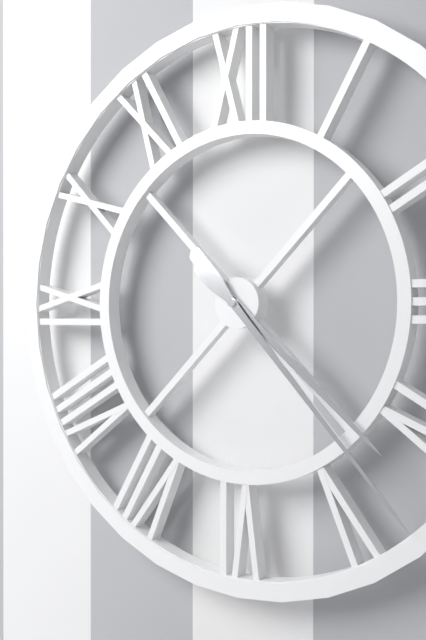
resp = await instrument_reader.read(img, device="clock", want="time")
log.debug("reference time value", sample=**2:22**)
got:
**4:23**
